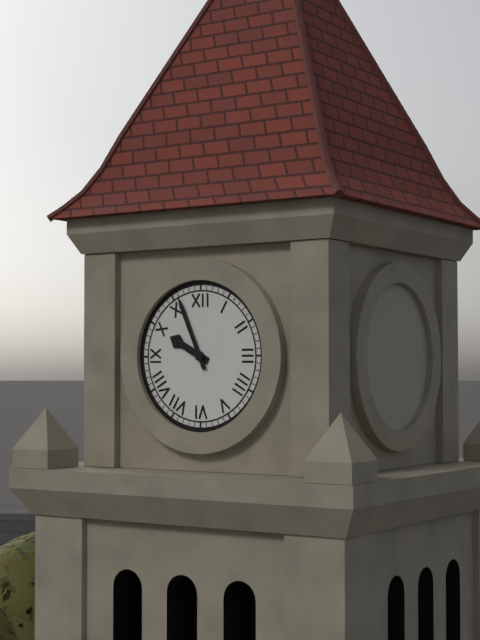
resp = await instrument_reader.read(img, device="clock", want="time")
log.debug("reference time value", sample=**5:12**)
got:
**9:56**
